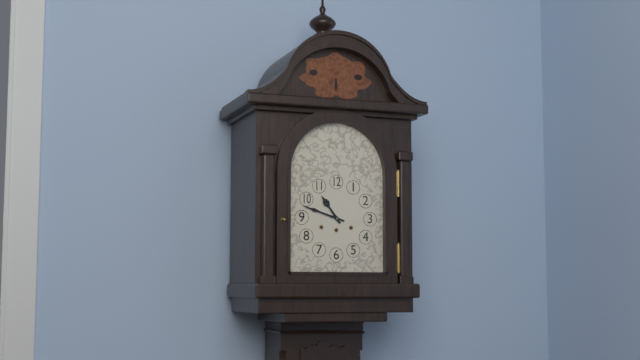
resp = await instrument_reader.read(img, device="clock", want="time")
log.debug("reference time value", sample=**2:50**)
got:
**10:48**
